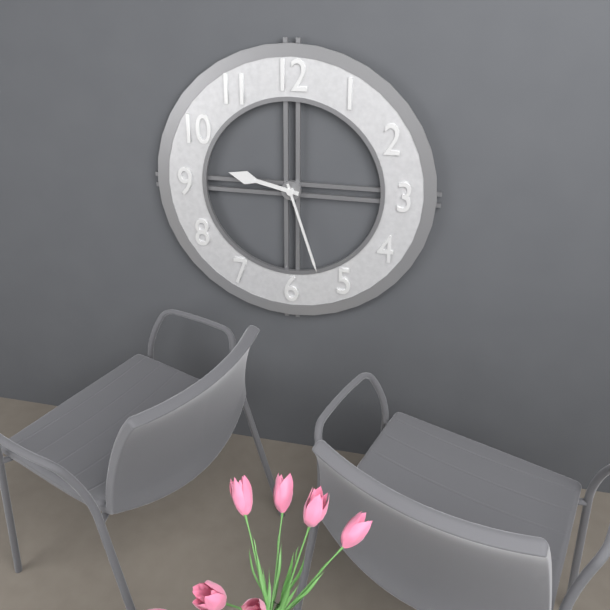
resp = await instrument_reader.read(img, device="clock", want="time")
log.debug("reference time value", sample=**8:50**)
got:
**9:27**
